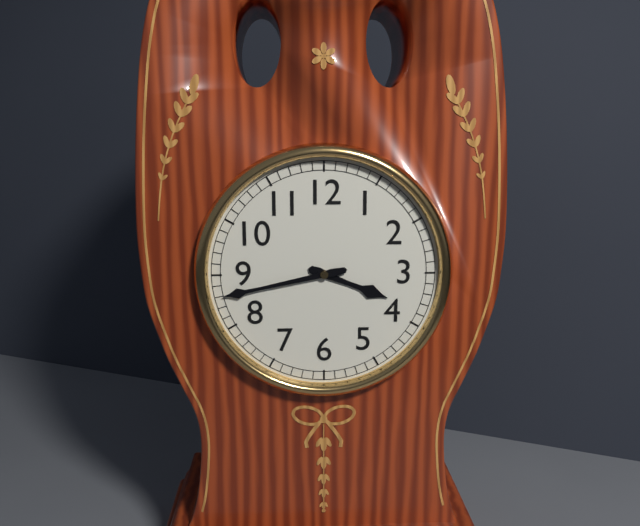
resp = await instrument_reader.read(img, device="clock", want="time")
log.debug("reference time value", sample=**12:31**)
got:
**3:43**
